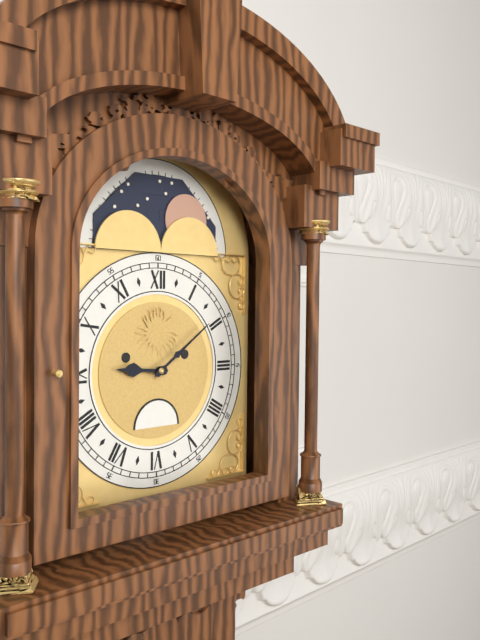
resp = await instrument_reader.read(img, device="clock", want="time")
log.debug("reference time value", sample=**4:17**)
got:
**9:09**
